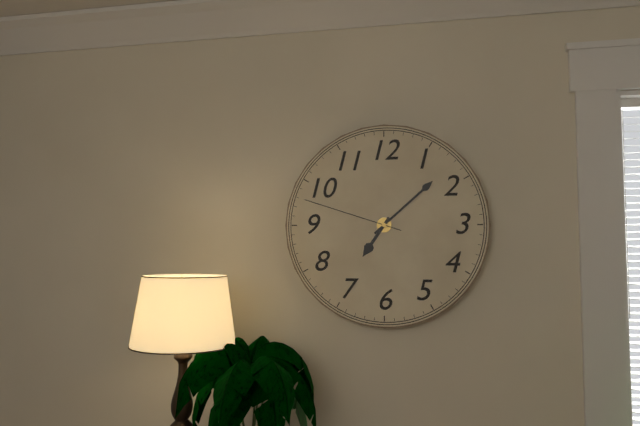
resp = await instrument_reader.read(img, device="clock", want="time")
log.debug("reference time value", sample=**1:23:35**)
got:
**7:08:48**
